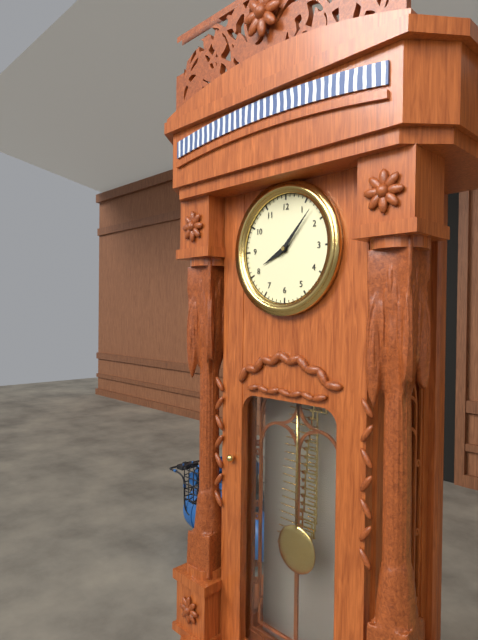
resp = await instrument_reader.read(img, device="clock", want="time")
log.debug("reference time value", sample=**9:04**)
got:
**8:07**
